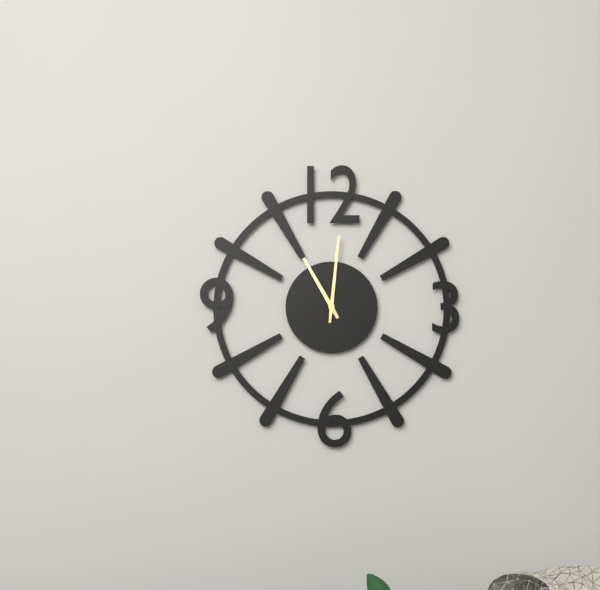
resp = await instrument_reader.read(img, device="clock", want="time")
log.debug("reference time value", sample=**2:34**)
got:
**11:01**
